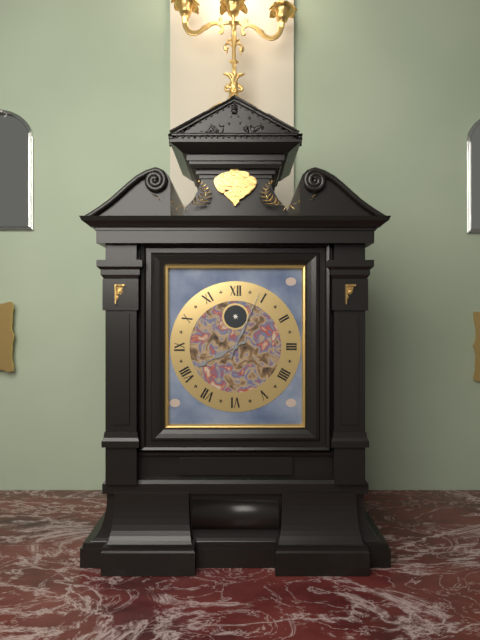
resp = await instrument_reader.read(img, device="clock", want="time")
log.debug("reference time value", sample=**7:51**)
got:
**8:04**
